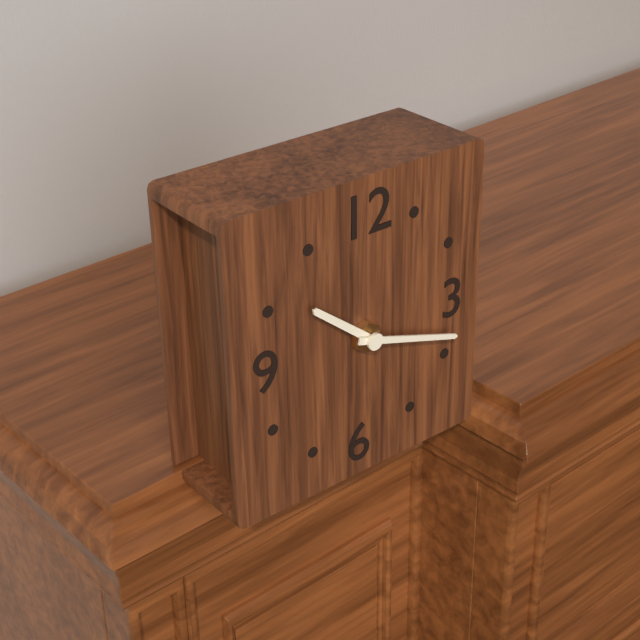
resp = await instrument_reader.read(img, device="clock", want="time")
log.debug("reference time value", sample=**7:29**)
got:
**10:18**
